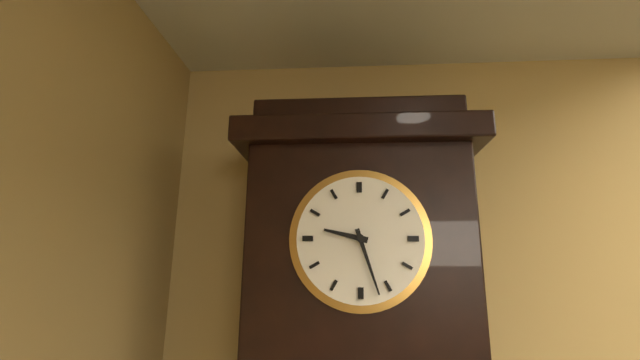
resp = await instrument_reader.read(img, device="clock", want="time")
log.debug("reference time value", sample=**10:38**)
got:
**9:27**
